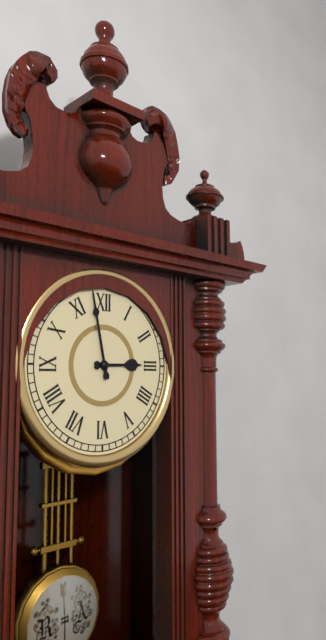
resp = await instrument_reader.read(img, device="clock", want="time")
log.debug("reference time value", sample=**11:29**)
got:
**2:58**
